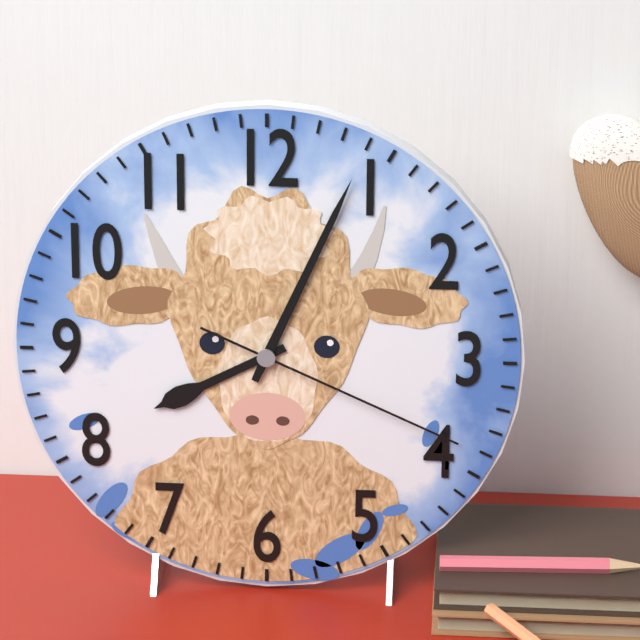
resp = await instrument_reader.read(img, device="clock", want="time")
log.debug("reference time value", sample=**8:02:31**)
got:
**8:04:19**
